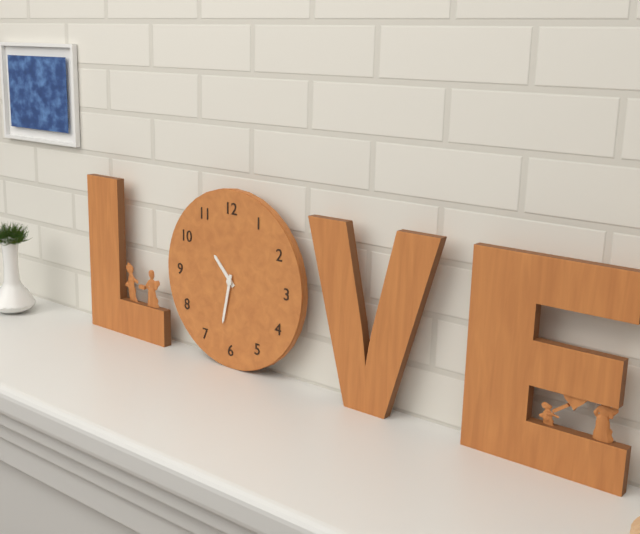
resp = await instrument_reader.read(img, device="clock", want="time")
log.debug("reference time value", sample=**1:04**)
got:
**10:32**
